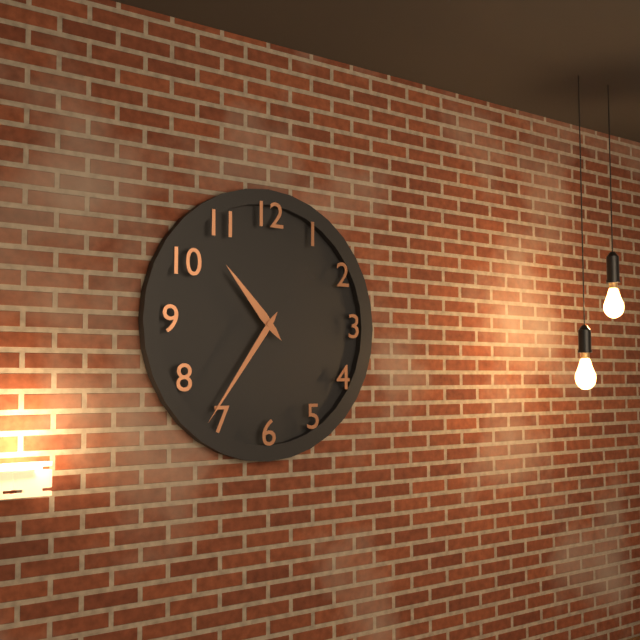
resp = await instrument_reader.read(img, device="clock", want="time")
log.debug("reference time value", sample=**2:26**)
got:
**10:36**
